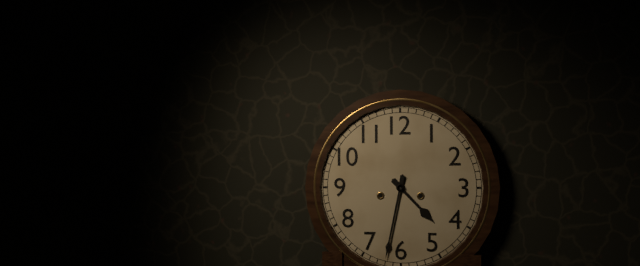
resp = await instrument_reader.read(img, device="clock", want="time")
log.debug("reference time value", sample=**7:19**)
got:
**4:32**
